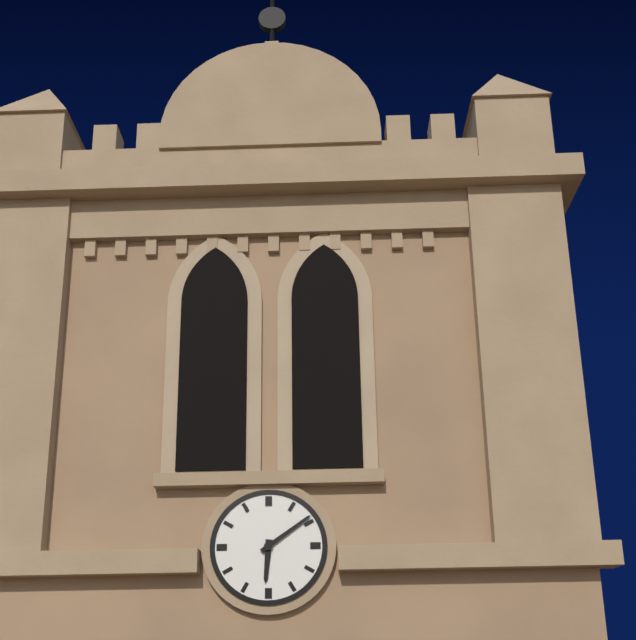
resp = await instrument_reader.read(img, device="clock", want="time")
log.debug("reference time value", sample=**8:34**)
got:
**6:09**
